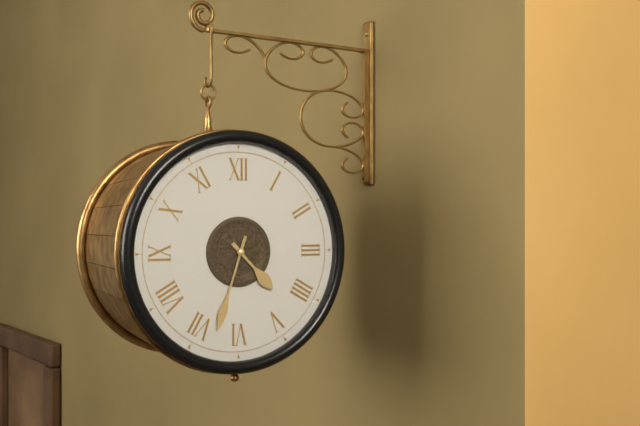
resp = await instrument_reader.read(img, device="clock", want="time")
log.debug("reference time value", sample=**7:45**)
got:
**4:33**
